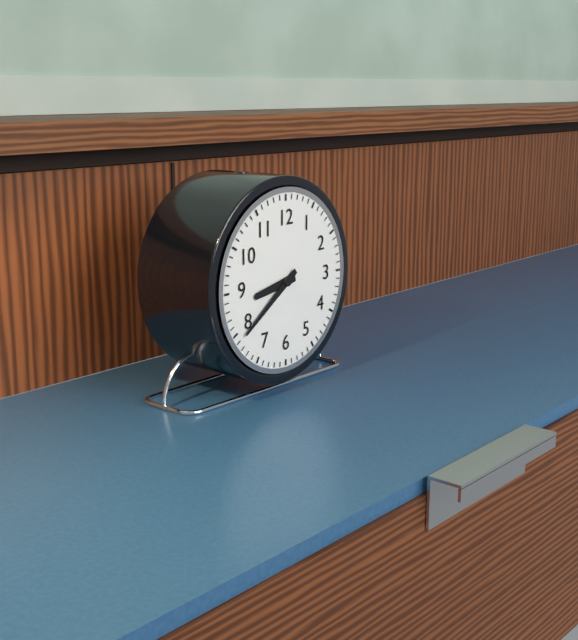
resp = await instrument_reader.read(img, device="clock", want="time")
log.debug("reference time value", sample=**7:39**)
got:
**8:39**
